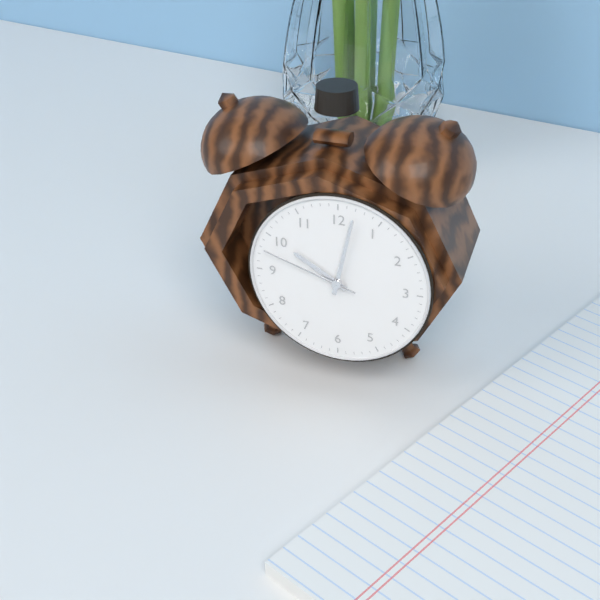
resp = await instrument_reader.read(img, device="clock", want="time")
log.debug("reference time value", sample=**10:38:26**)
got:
**10:02:48**
